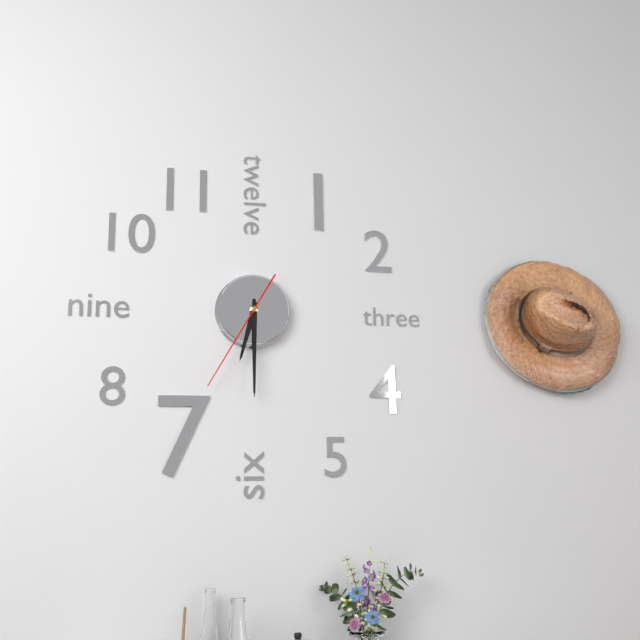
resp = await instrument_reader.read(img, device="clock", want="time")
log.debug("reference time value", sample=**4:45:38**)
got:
**6:30:35**
